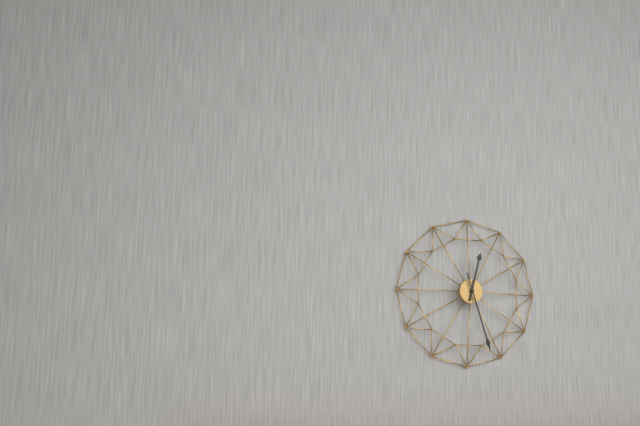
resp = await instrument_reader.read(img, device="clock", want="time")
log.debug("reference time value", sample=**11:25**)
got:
**12:27**
